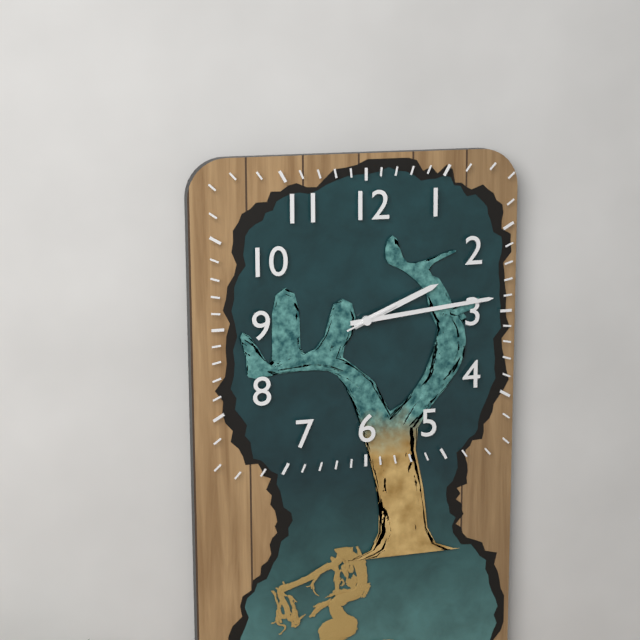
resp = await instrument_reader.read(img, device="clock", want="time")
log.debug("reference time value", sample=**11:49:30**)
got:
**2:14:11**
